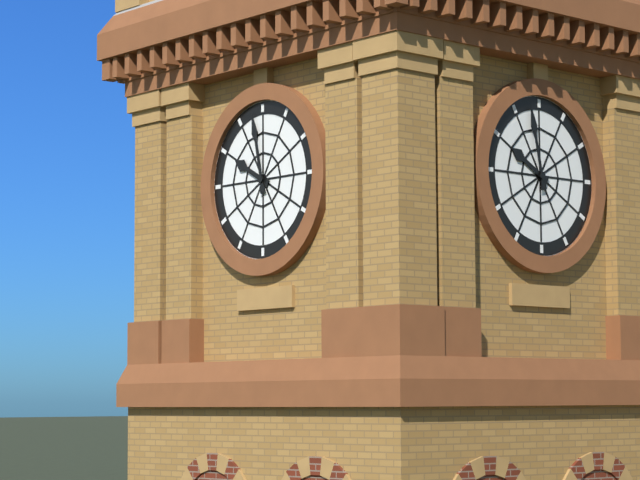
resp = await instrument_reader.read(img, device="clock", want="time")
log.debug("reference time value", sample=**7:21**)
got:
**9:58**
